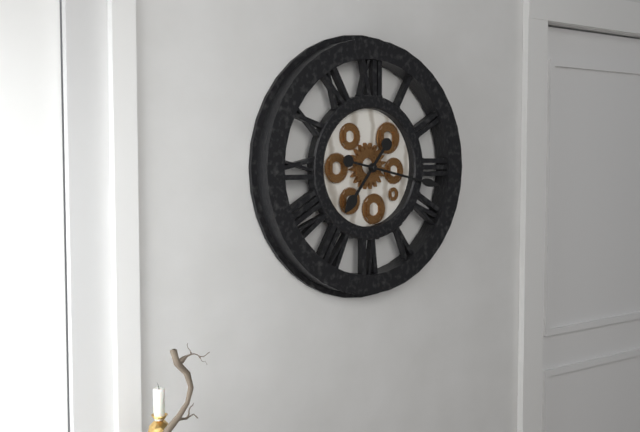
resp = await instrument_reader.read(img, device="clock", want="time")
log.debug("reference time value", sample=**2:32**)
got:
**7:17**
